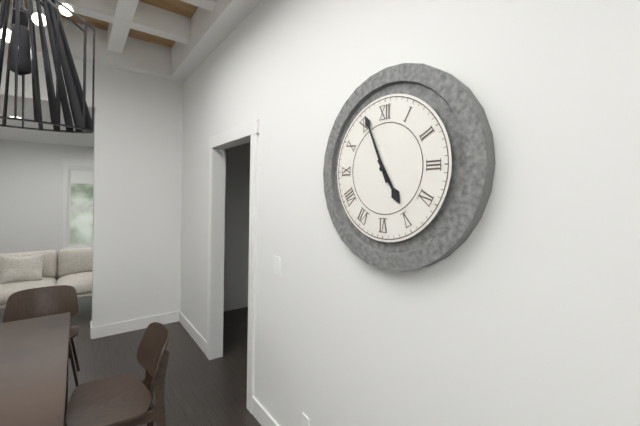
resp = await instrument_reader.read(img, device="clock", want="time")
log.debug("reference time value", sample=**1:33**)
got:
**4:56**
